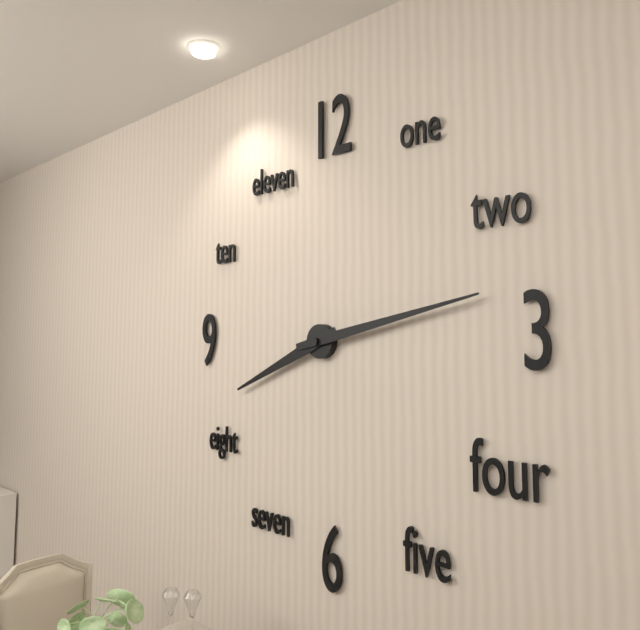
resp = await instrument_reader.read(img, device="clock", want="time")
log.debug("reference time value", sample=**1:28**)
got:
**8:13**
